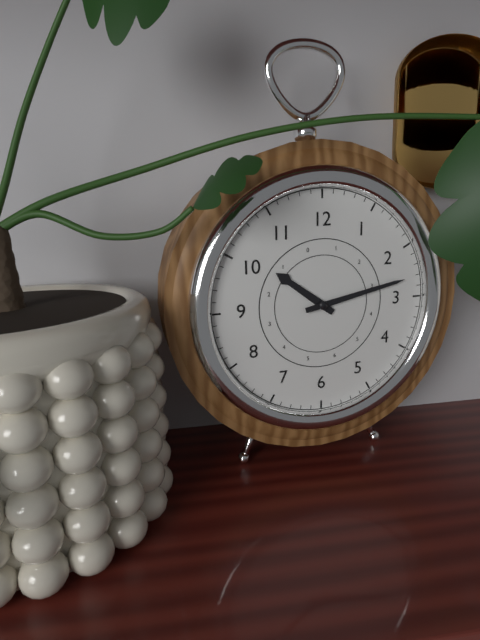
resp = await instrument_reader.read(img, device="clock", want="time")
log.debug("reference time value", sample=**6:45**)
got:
**10:13**
